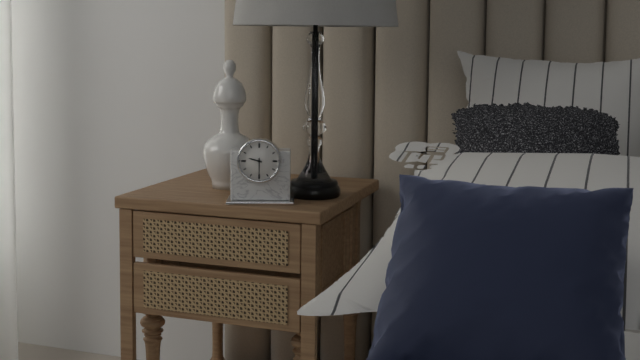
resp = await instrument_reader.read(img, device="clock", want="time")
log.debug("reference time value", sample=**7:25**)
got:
**9:30**
